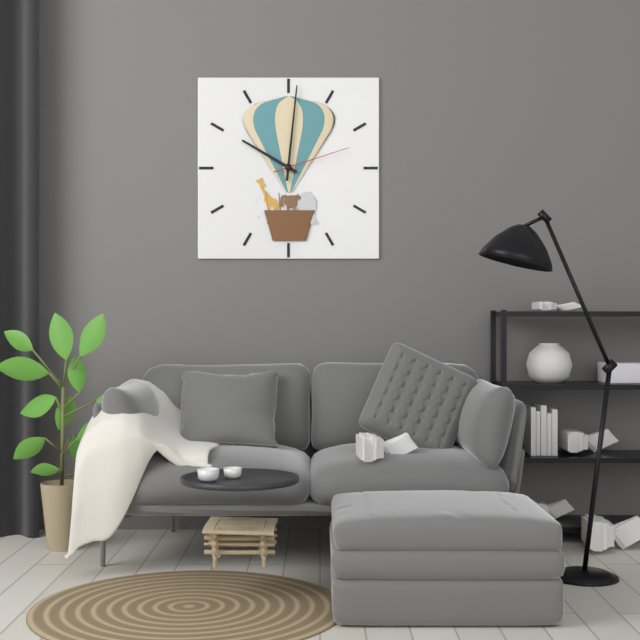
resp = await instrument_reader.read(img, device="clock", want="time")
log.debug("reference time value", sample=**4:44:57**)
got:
**10:01:12**
